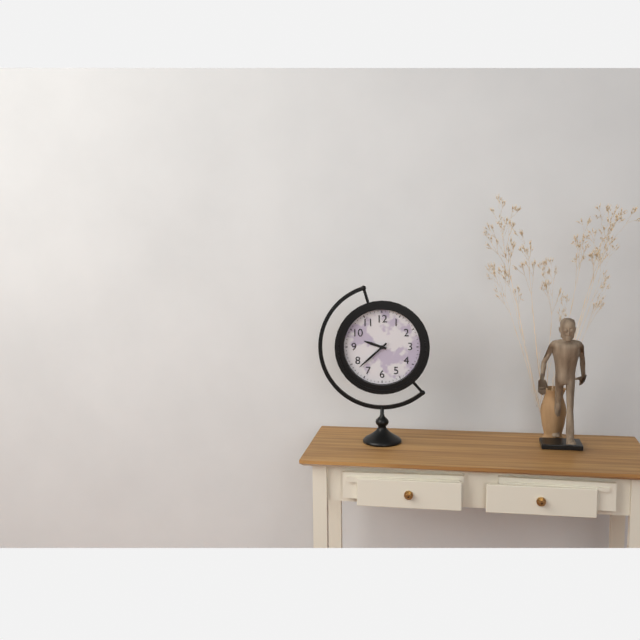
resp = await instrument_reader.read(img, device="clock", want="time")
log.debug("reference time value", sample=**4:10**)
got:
**9:38**
